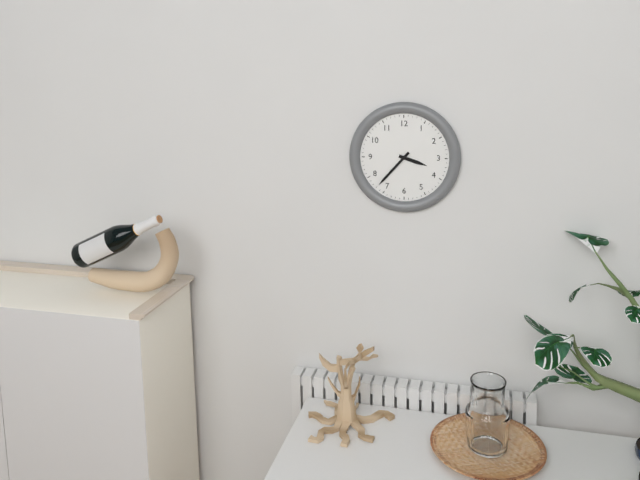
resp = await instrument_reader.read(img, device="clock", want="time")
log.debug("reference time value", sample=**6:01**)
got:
**3:37**
